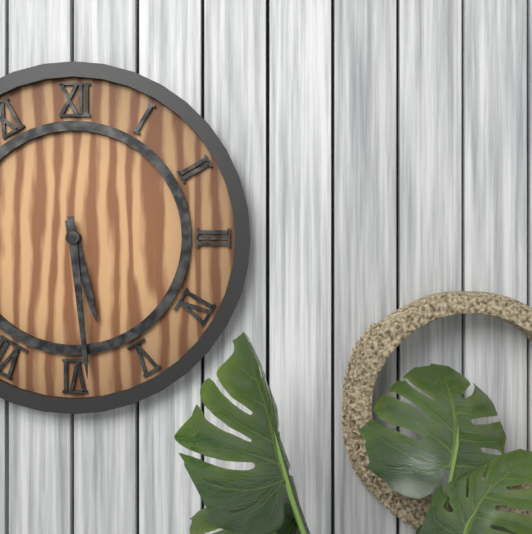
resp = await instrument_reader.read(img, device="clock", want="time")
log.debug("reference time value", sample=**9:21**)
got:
**5:29**
